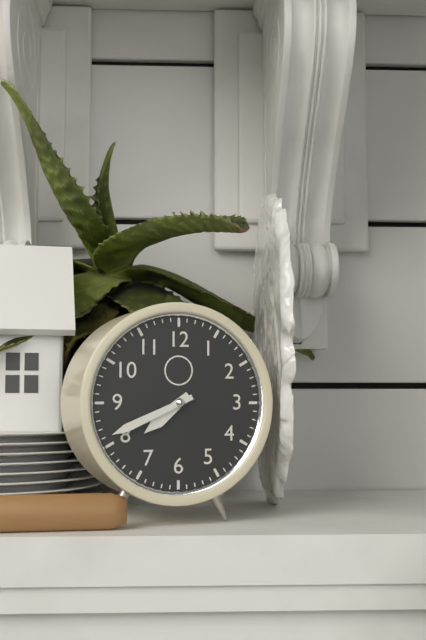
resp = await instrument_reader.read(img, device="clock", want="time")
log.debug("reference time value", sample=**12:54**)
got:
**7:41**
